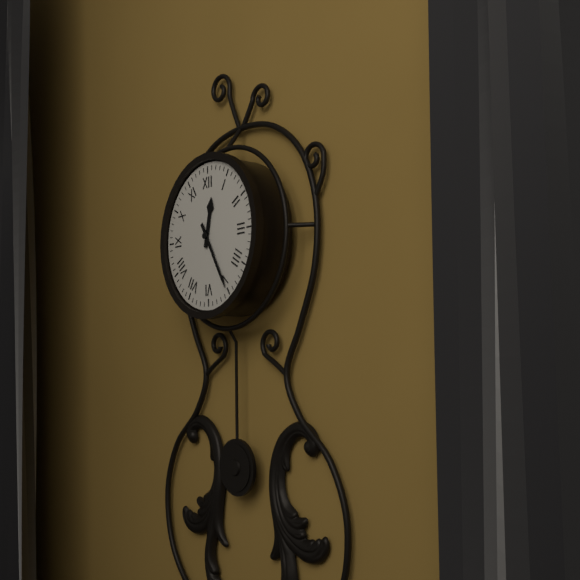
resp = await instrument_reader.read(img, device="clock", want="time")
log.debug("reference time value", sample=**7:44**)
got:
**12:25**
